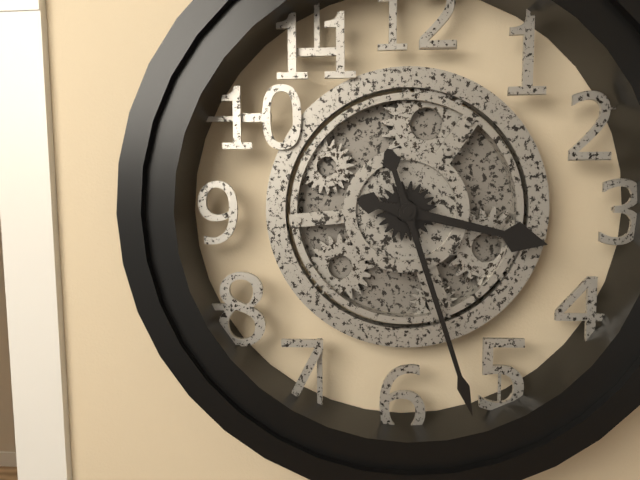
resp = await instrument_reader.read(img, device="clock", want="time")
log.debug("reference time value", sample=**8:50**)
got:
**3:27**
